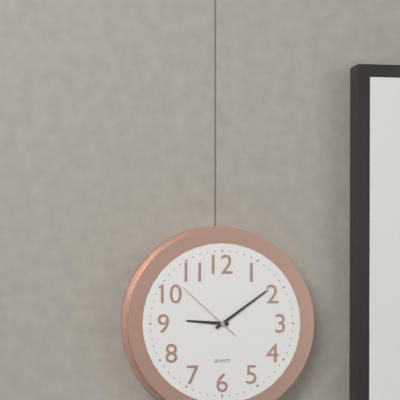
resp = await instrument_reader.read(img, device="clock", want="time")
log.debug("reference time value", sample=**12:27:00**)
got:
**9:09:52**
